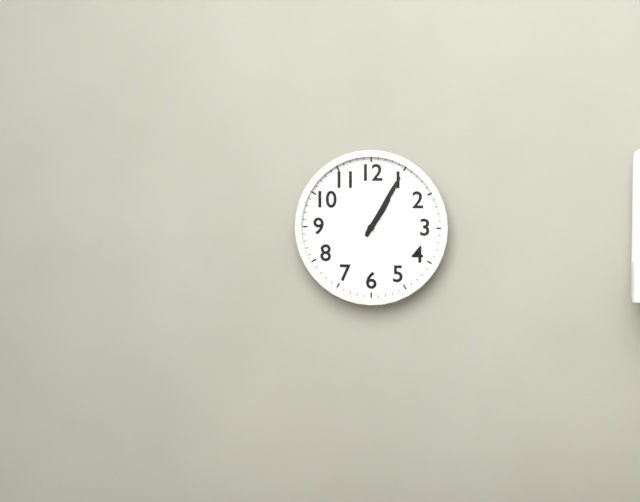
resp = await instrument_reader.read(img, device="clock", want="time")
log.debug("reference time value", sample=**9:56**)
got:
**1:05**
